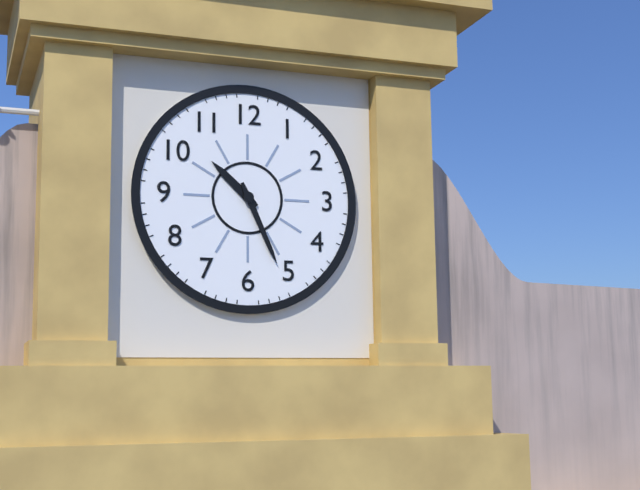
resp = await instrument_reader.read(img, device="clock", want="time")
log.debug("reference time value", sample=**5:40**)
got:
**10:26**
